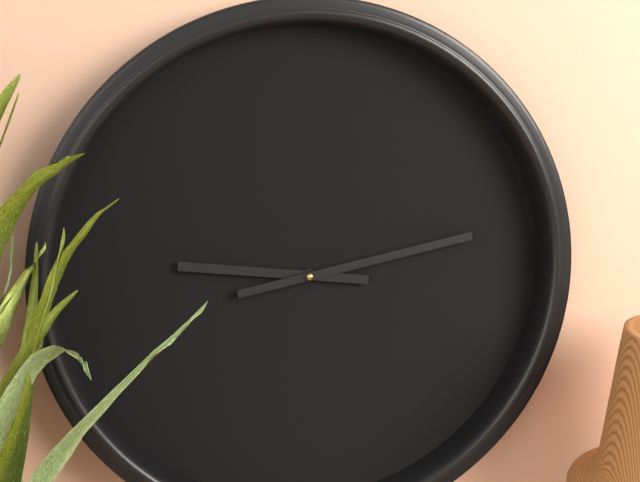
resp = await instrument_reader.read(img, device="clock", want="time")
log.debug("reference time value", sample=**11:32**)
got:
**9:13**
